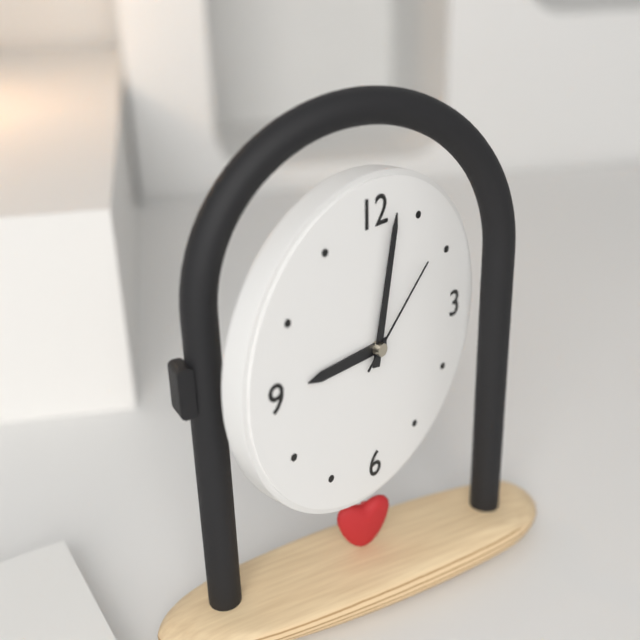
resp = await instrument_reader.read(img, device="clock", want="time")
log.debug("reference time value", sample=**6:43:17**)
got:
**9:02:08**
